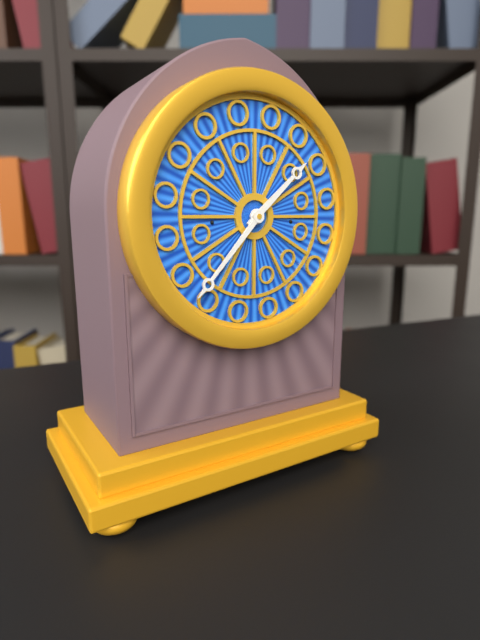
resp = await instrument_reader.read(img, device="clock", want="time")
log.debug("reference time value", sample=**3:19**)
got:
**1:37**
